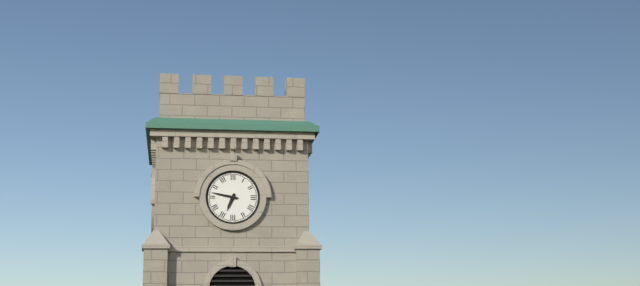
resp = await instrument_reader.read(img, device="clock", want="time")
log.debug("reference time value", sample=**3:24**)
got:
**6:47**
